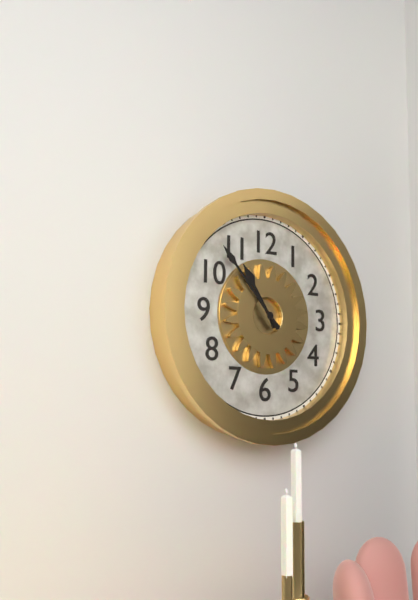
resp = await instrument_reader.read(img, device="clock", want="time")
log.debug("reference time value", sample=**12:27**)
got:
**10:53**
